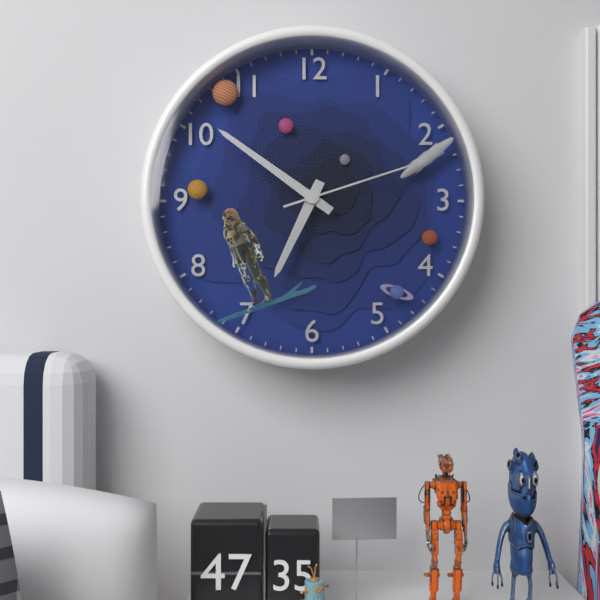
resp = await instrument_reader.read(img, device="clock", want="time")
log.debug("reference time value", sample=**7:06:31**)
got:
**6:51:12**
